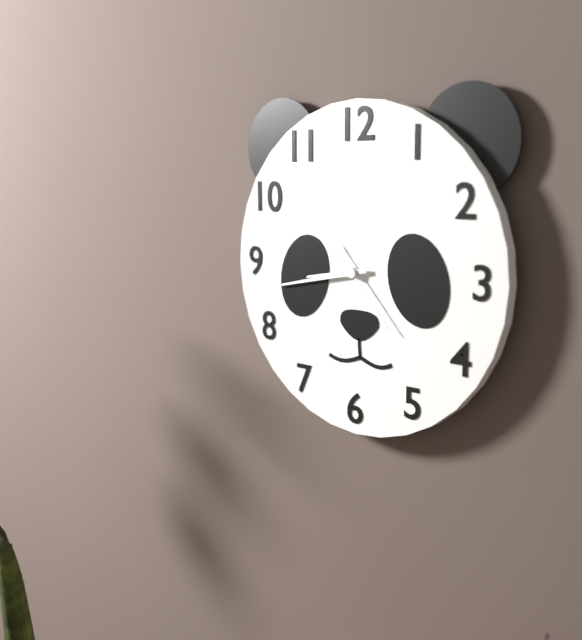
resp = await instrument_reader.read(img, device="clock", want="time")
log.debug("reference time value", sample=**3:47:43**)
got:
**8:43:23**
